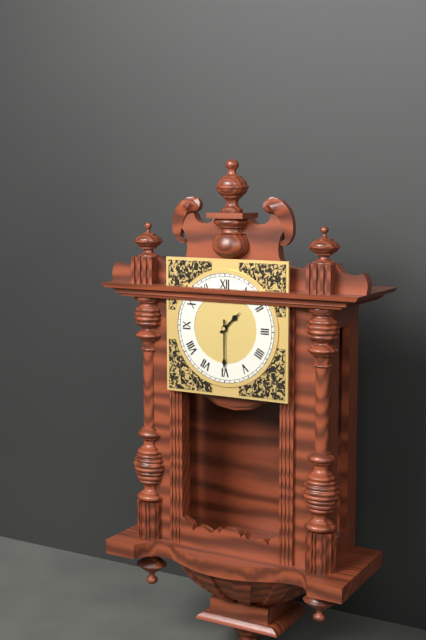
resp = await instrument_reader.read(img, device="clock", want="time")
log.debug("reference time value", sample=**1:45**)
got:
**1:30**
